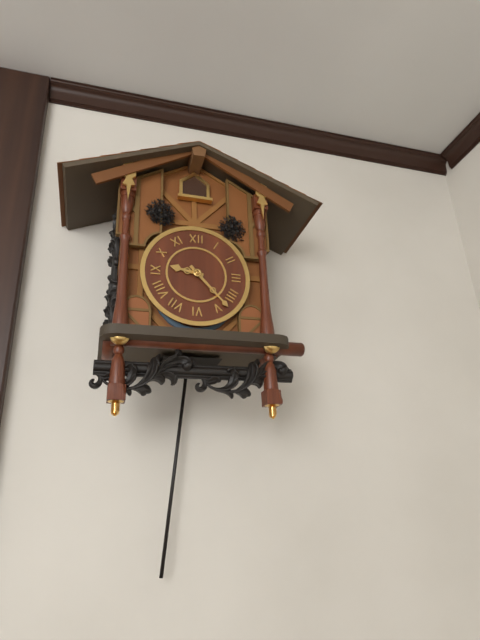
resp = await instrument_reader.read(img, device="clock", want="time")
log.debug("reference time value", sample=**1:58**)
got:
**9:23**
